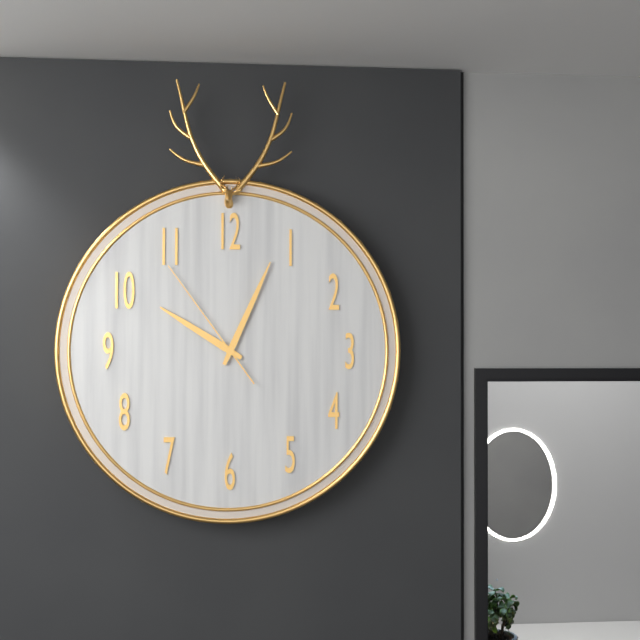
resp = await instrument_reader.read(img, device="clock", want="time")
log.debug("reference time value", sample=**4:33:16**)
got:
**10:04:54**
